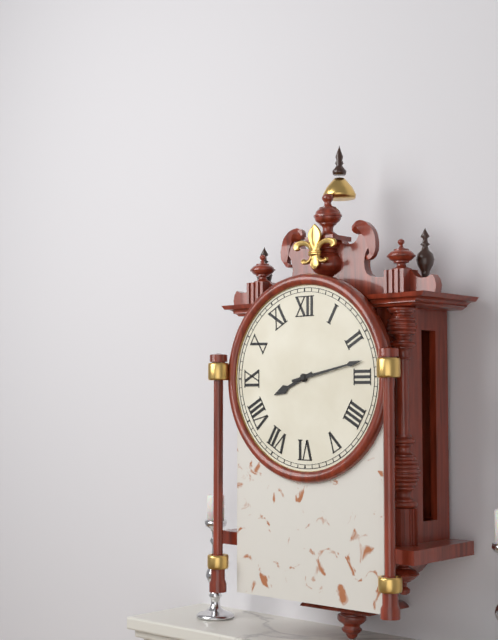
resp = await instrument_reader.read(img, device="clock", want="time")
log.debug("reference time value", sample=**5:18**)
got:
**8:13**
